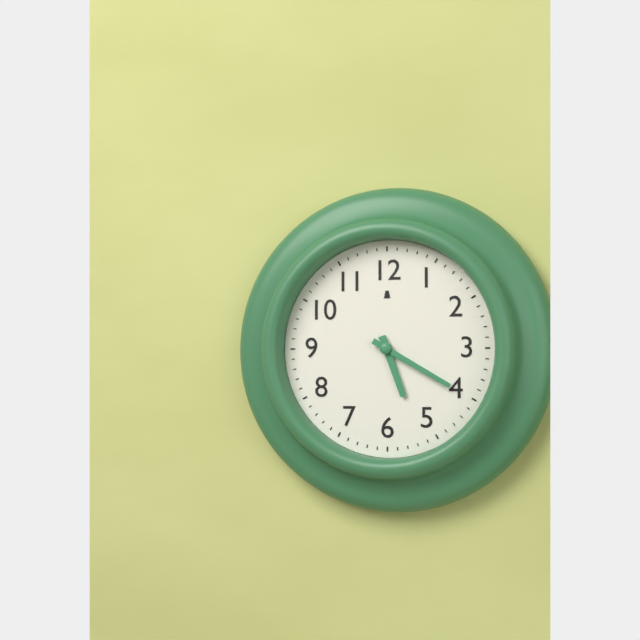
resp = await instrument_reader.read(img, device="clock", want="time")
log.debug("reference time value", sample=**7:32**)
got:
**5:20**
